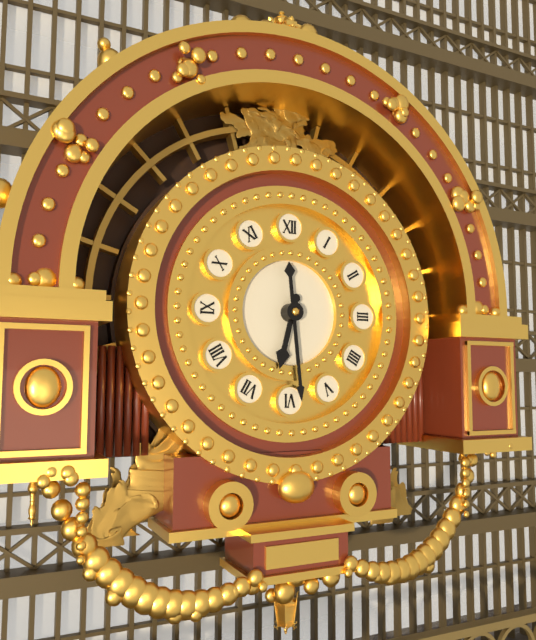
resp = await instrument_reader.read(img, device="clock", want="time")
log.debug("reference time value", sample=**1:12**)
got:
**6:29**
